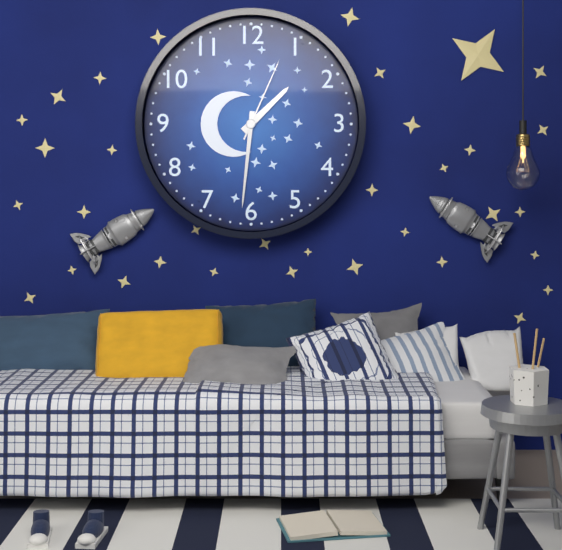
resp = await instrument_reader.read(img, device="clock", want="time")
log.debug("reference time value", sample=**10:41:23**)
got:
**1:31:04**
